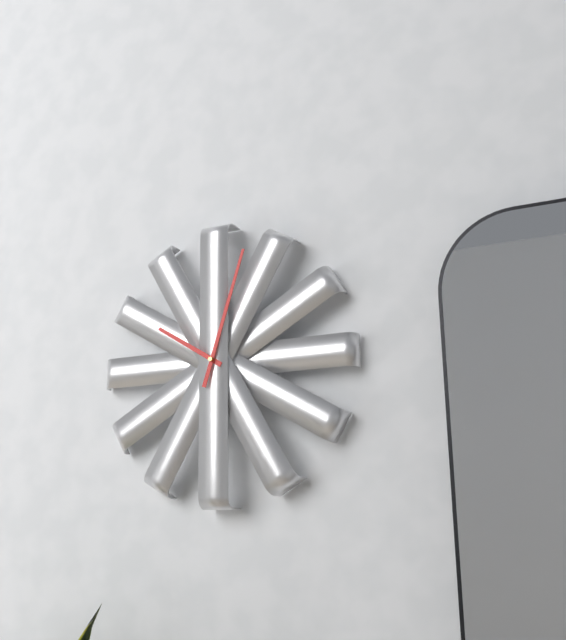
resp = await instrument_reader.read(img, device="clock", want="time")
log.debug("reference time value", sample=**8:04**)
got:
**10:03**
